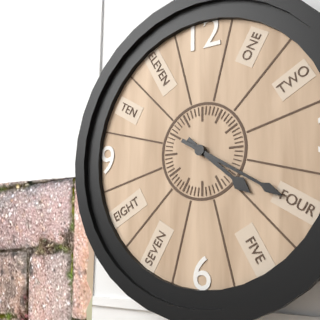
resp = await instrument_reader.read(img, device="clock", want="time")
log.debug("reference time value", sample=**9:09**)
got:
**4:20**
